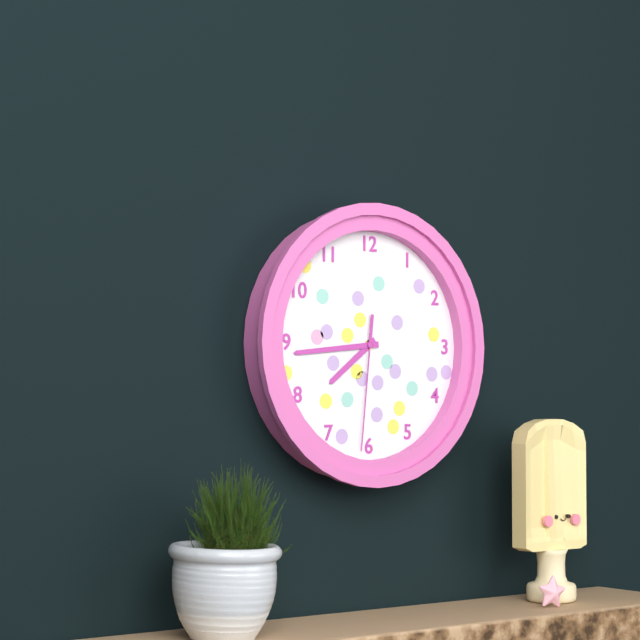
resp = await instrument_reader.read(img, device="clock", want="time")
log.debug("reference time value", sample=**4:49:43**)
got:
**7:44:31**
